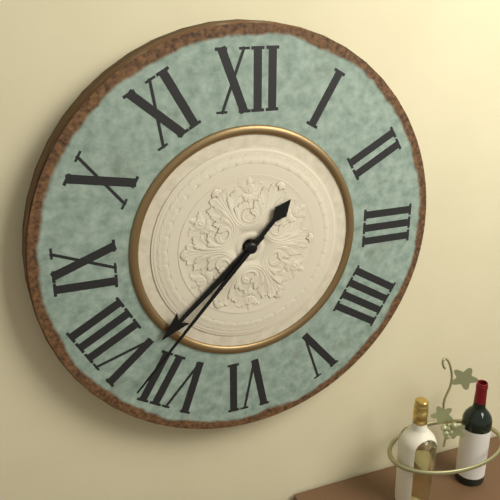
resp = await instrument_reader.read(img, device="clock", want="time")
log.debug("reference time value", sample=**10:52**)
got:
**7:37**
